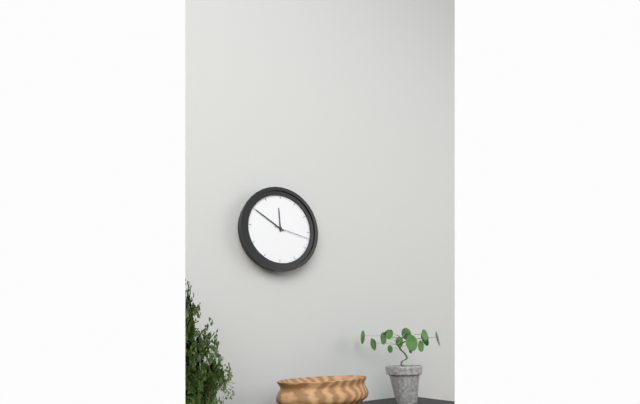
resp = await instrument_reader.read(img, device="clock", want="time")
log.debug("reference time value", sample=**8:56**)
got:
**11:50**
